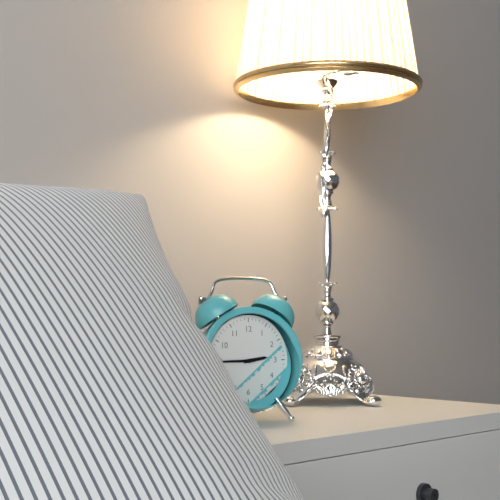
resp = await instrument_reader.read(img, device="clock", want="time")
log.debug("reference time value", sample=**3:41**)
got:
**2:45**
